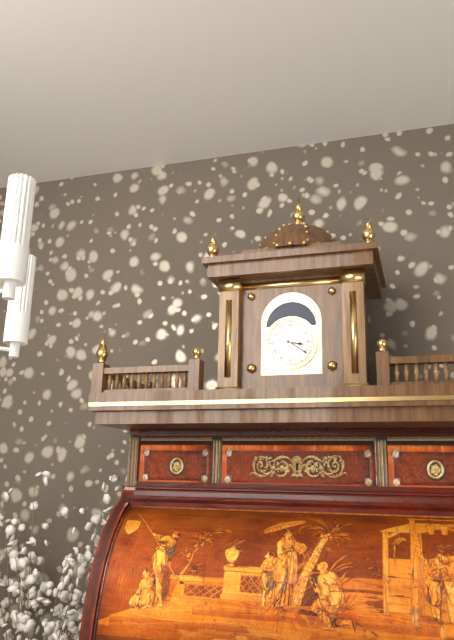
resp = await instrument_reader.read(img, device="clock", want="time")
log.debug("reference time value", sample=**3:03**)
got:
**3:21**
